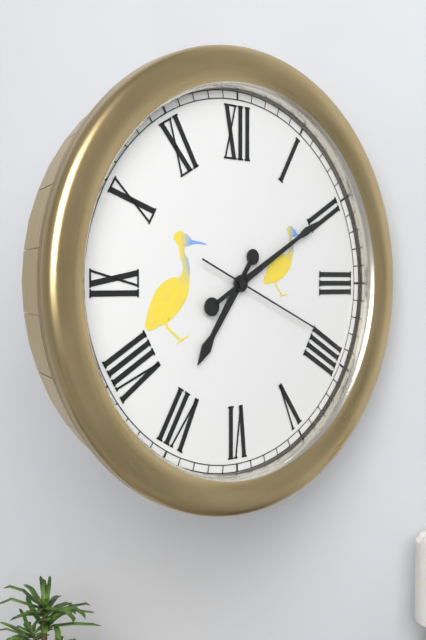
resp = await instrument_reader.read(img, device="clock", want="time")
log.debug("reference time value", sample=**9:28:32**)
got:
**7:10:19**
